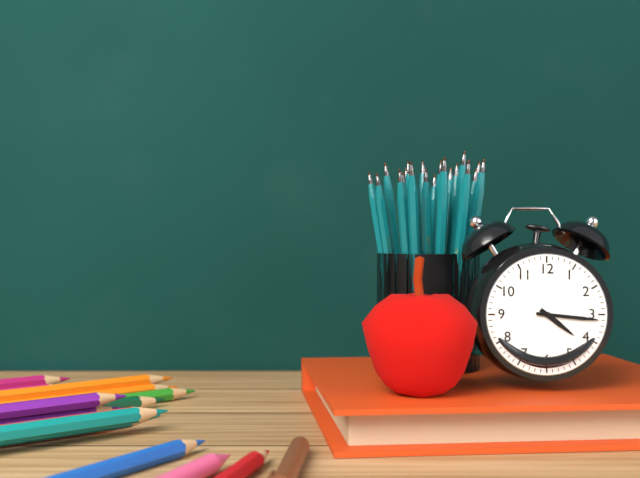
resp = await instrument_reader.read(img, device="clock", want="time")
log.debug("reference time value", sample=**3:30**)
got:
**4:16**
